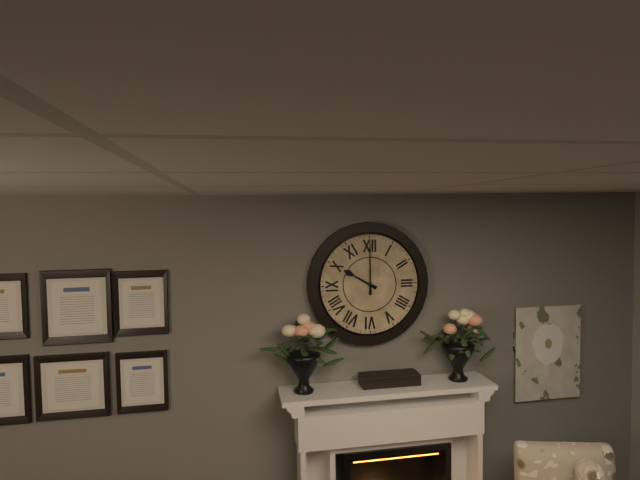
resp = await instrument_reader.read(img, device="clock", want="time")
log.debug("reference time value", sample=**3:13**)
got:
**10:00**
